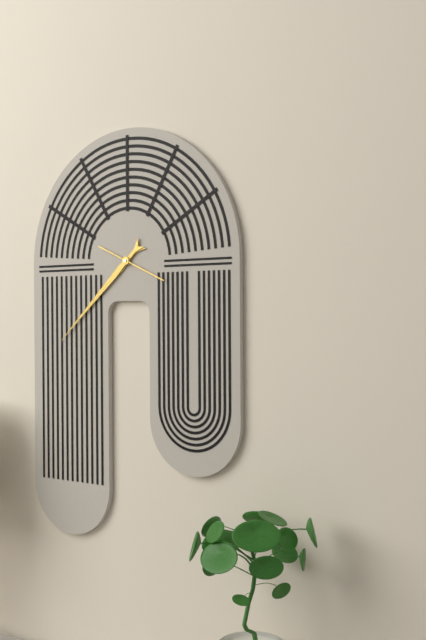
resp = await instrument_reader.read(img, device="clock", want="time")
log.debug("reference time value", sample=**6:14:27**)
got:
**7:38:19**
